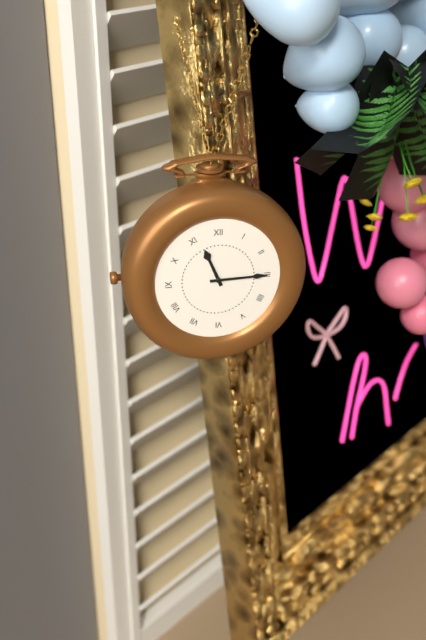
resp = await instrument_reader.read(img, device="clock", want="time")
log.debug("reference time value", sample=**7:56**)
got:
**11:15**
